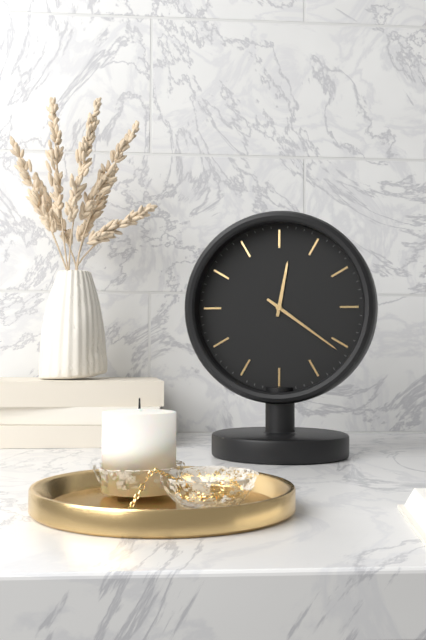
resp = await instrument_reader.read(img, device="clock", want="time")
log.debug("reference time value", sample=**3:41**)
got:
**12:21**
